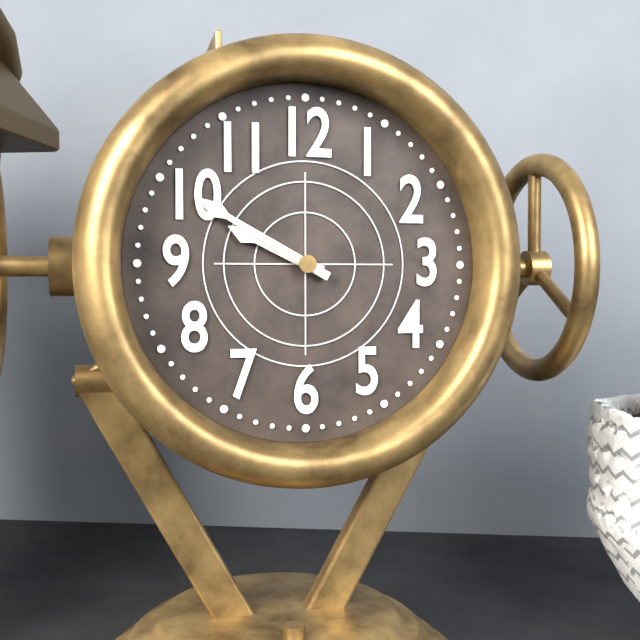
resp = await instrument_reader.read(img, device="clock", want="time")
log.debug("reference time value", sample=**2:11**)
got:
**9:50**
